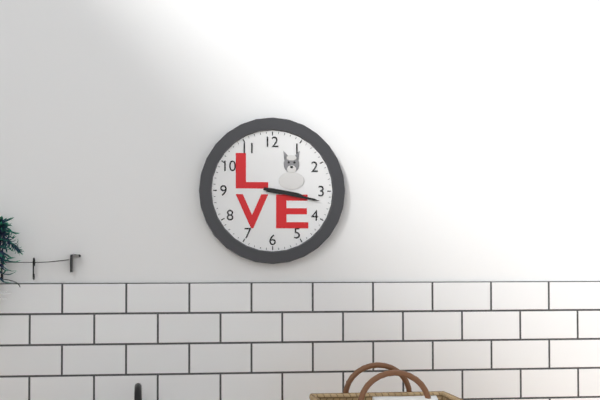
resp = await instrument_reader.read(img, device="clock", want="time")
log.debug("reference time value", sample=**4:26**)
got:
**3:17**
